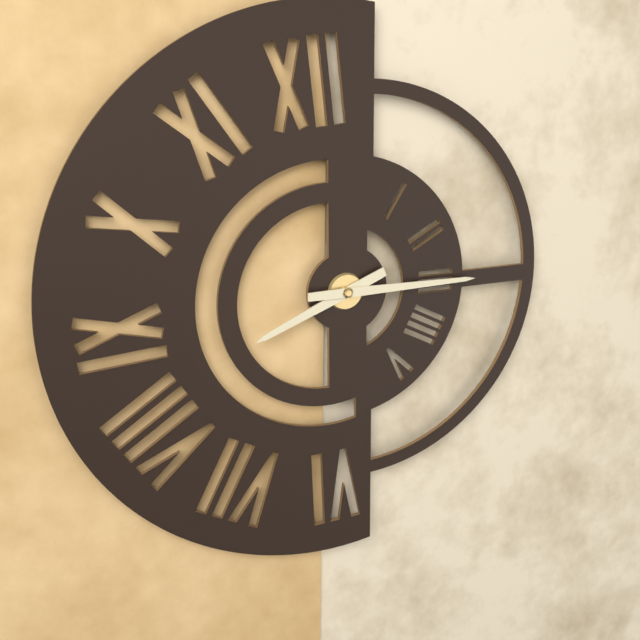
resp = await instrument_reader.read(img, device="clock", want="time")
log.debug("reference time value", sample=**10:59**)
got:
**8:15**
